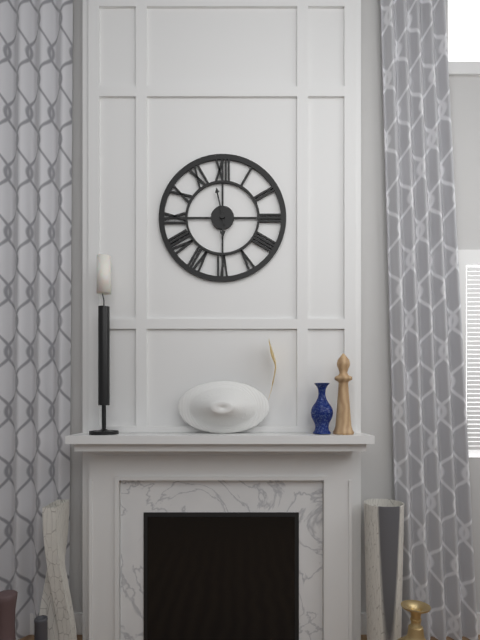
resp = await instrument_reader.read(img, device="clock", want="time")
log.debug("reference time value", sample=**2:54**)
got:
**5:58**
